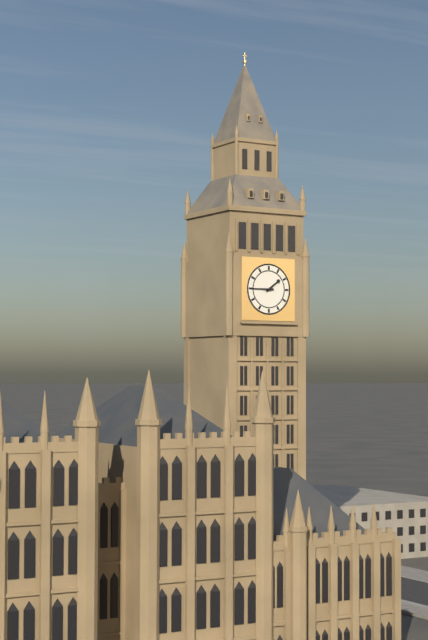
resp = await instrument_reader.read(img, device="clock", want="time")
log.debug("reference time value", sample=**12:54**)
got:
**1:45**
